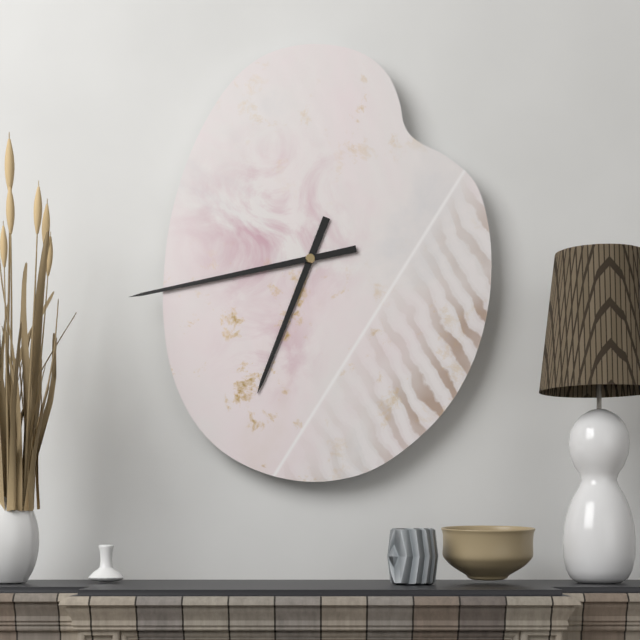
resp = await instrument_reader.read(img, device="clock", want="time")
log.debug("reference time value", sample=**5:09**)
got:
**6:43**
